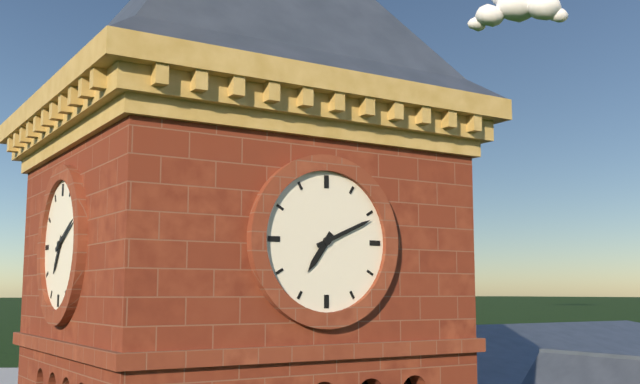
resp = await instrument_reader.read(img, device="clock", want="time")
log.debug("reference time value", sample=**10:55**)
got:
**7:11**
